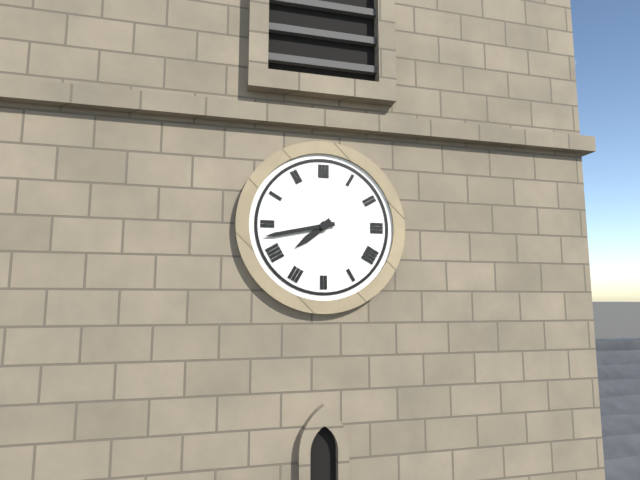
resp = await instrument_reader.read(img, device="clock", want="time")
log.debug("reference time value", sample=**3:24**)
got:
**7:43**
